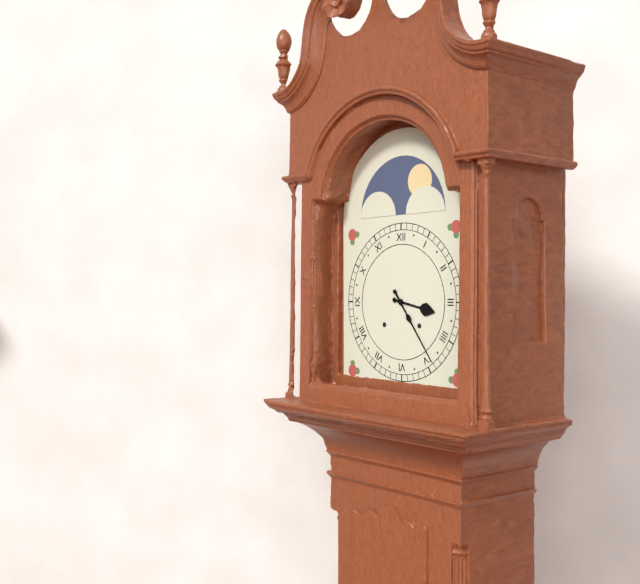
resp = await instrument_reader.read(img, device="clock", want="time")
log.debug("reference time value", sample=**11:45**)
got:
**3:24**
